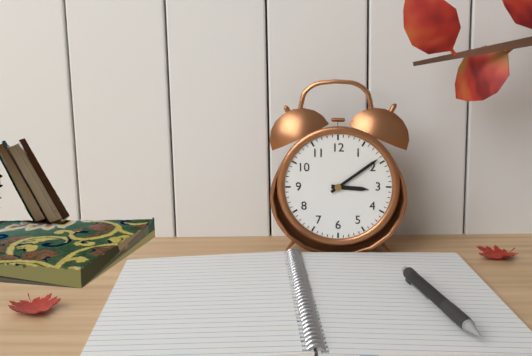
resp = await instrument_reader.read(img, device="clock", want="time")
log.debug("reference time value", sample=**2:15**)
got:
**3:09**
